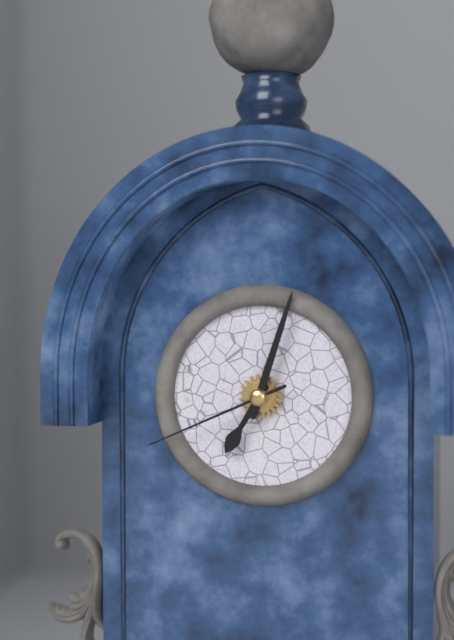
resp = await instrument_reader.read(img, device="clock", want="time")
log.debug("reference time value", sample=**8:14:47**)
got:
**7:03:41**
